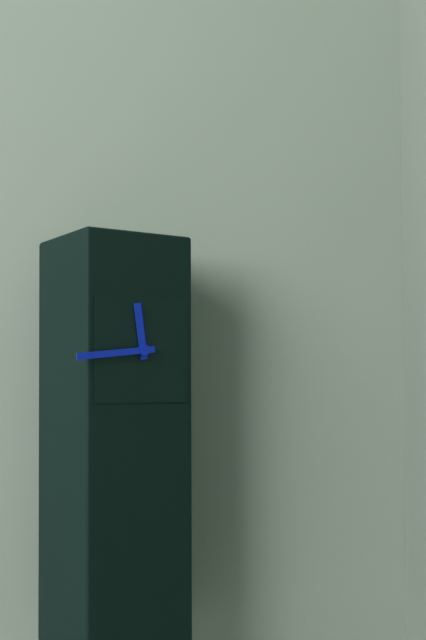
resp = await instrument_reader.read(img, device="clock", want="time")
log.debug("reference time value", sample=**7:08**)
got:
**11:44**
